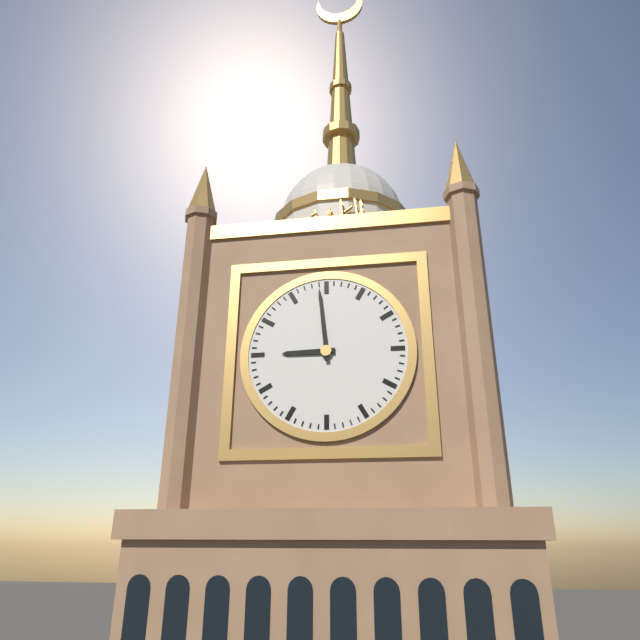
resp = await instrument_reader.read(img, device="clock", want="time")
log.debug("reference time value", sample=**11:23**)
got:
**8:59**
